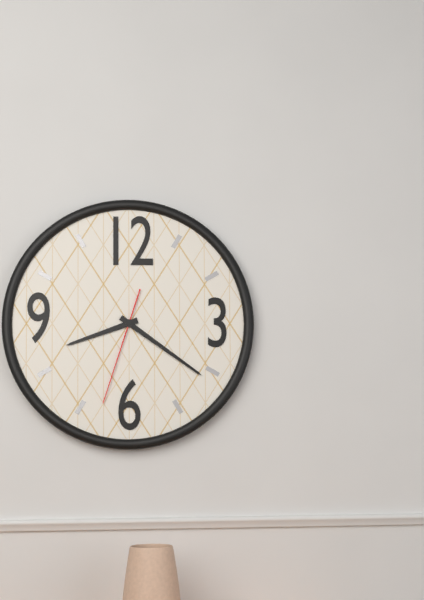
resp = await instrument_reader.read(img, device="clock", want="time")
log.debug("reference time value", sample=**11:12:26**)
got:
**8:21:33**
